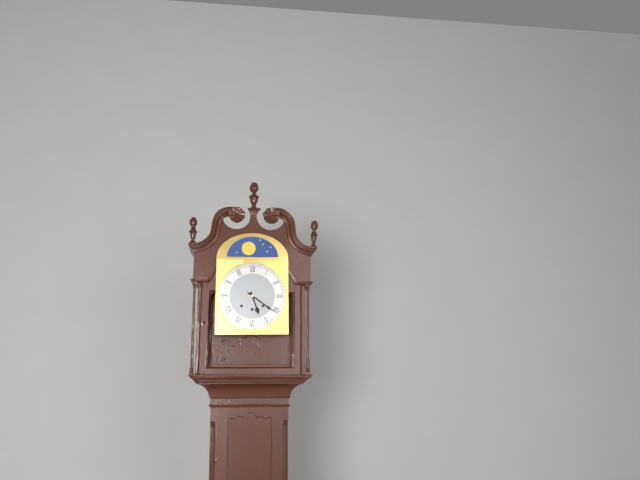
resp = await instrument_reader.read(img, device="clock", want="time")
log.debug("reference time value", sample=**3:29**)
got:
**5:21**
